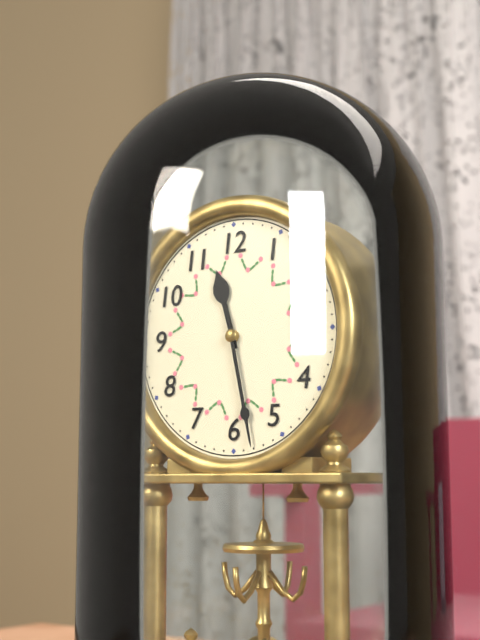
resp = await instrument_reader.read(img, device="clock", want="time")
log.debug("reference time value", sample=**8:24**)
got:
**11:28**
